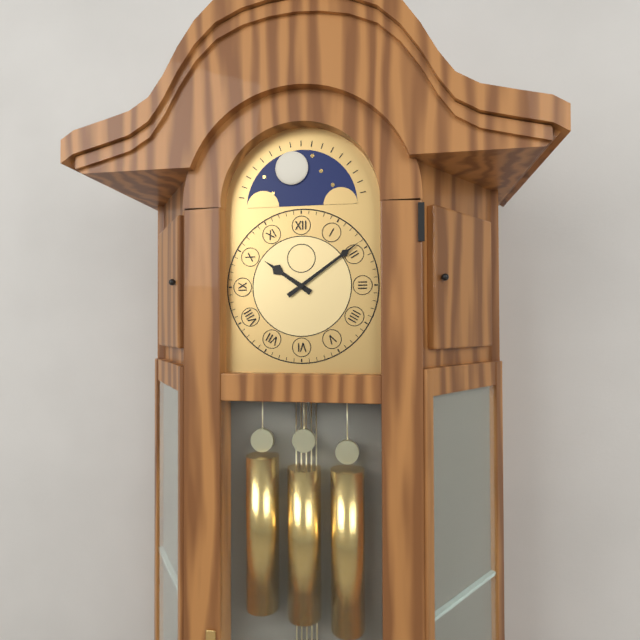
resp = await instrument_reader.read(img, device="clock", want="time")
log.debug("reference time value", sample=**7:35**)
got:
**10:09**
